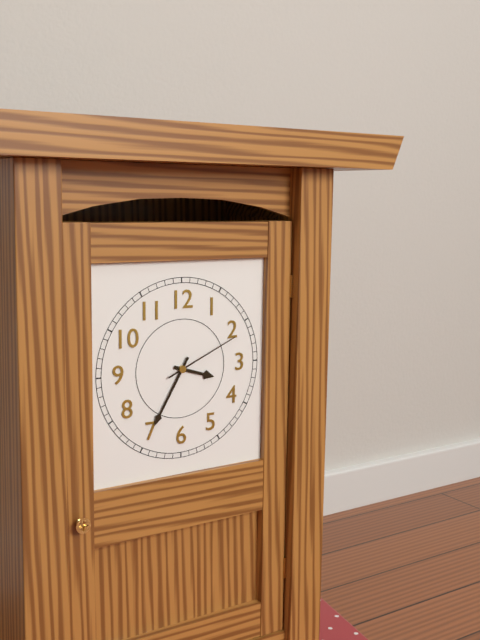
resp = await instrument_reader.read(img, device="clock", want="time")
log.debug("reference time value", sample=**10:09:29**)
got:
**3:35:11**
